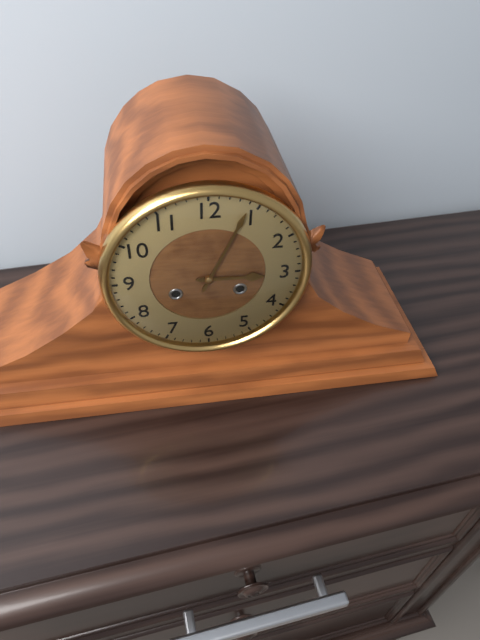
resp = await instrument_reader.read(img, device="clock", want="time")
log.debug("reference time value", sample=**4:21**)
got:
**3:04**
